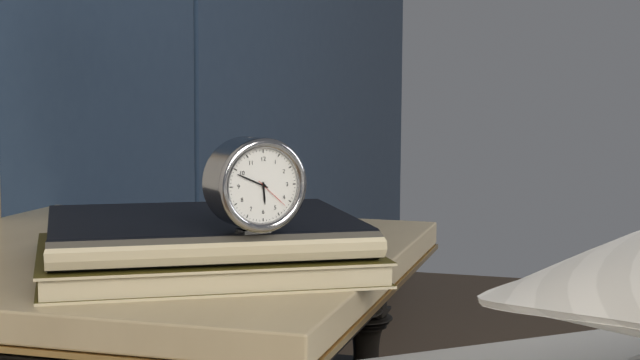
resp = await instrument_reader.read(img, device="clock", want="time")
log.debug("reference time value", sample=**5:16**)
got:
**5:49**
